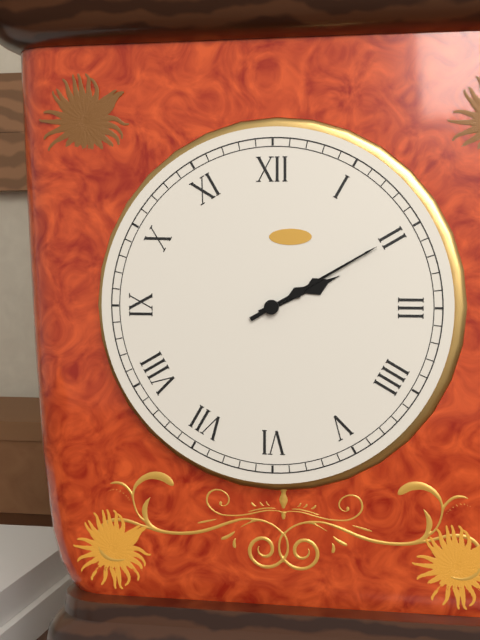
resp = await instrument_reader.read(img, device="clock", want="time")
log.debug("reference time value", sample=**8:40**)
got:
**2:10**
